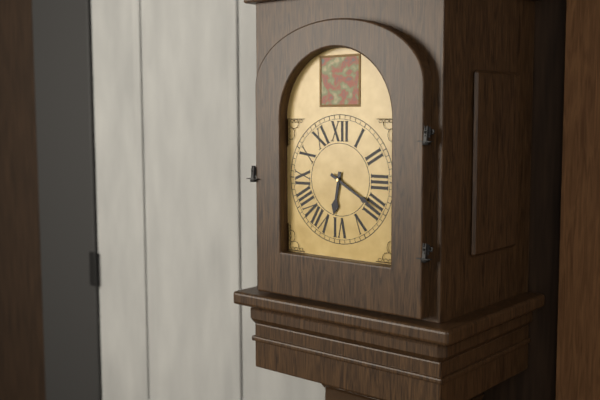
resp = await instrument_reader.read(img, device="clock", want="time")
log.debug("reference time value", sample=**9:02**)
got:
**6:20**
